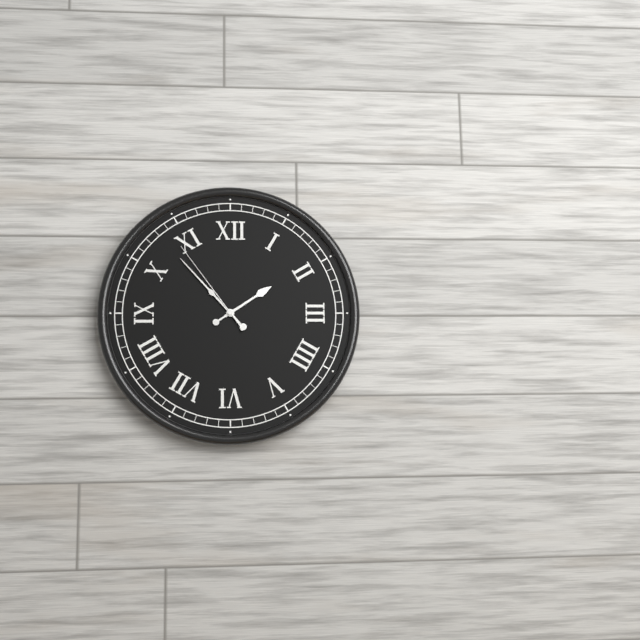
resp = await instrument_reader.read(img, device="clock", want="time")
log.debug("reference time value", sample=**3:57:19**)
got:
**1:53:54**
